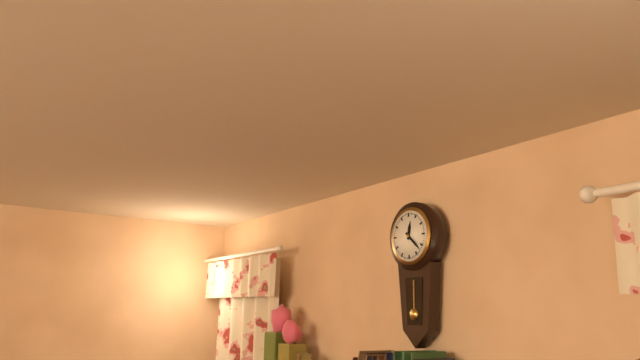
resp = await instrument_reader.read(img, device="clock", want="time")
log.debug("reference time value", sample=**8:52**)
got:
**12:22**
